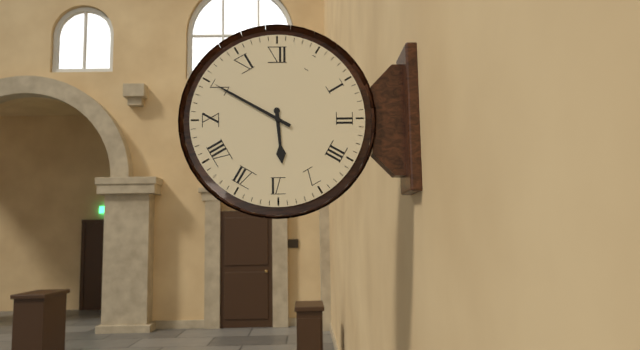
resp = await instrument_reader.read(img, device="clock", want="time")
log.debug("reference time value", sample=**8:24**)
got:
**5:50**
